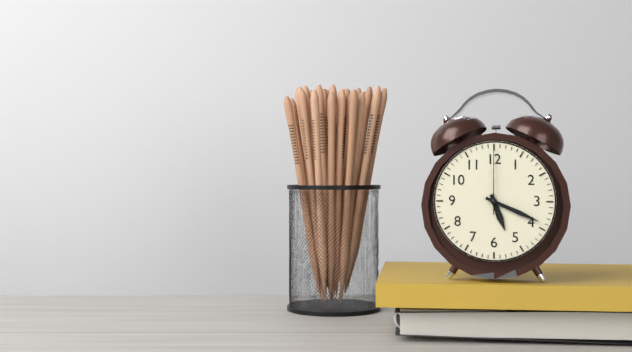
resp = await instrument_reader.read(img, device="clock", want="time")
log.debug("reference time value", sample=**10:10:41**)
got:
**5:19:00**
